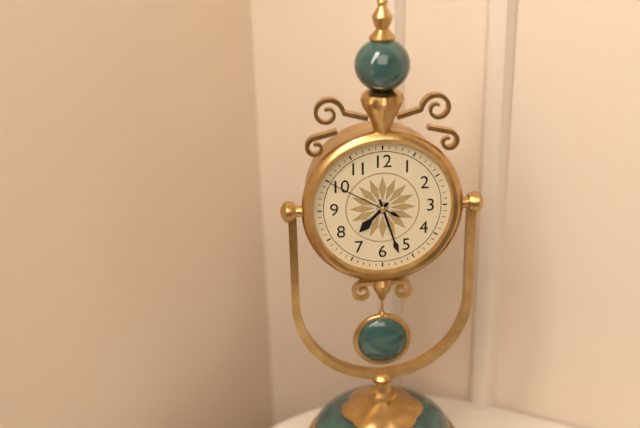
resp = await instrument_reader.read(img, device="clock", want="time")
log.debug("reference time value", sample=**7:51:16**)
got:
**7:27:50**
